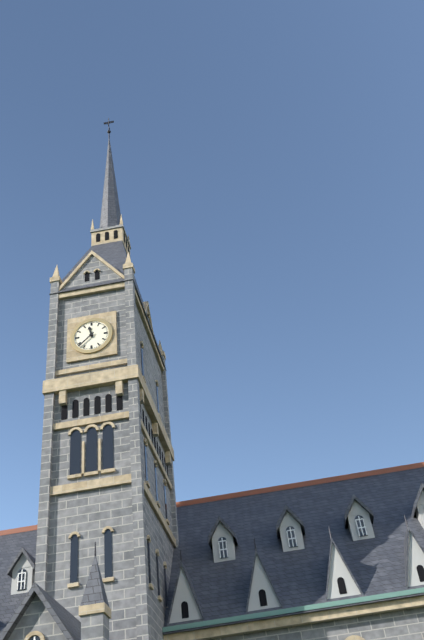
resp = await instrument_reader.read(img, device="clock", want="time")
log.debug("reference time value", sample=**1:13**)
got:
**11:38**
